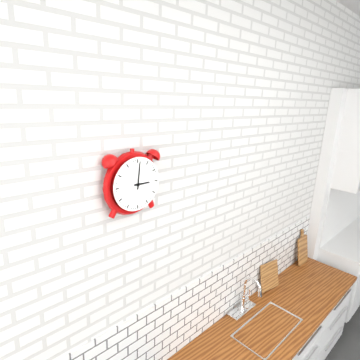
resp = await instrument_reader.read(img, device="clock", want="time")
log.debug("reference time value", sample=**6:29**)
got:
**3:01**
